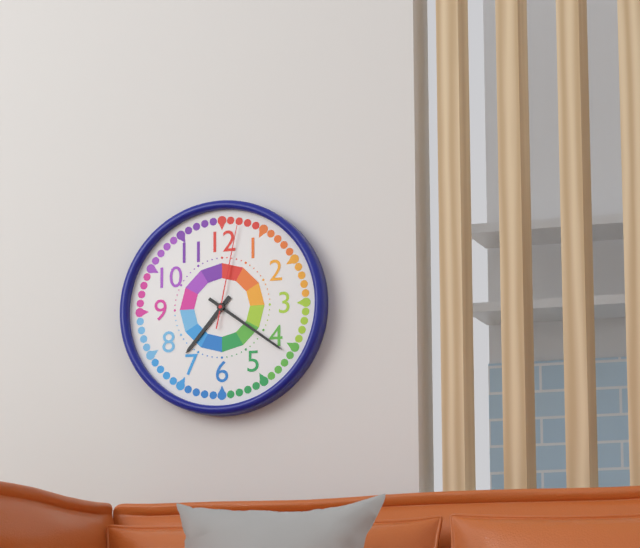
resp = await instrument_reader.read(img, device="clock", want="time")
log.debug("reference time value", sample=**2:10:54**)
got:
**7:21:02**
